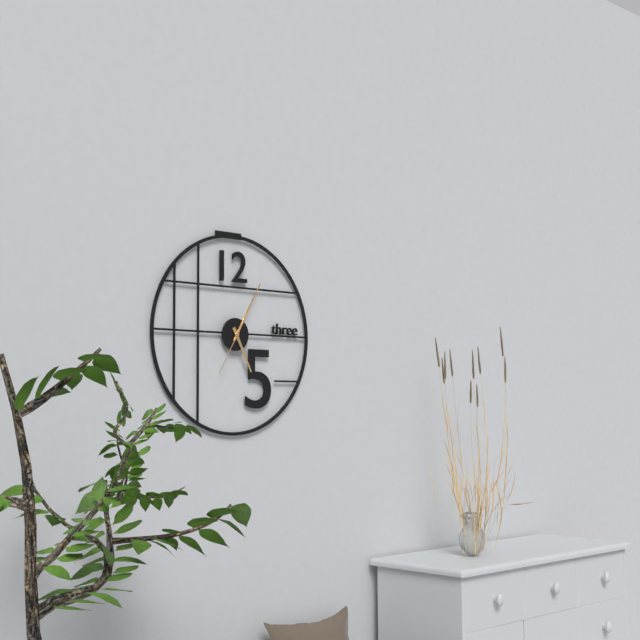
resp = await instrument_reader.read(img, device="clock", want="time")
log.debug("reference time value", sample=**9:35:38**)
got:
**5:05:35**
